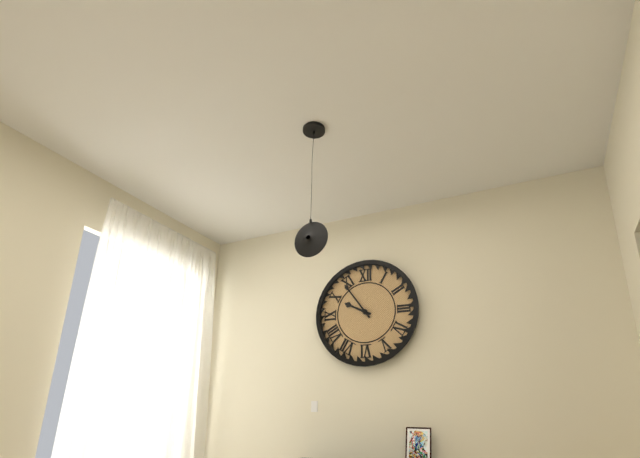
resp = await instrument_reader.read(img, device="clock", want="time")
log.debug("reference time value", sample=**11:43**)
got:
**9:54**
